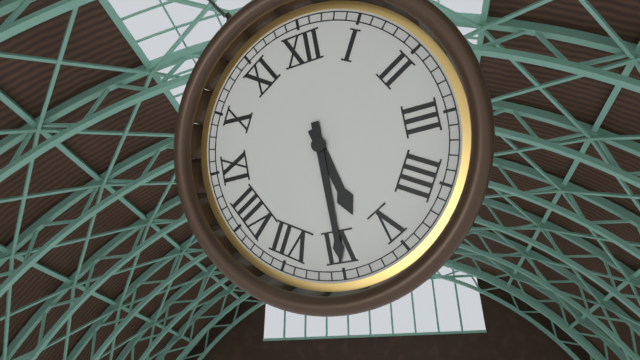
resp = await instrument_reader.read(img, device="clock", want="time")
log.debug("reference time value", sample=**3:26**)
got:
**5:30**
